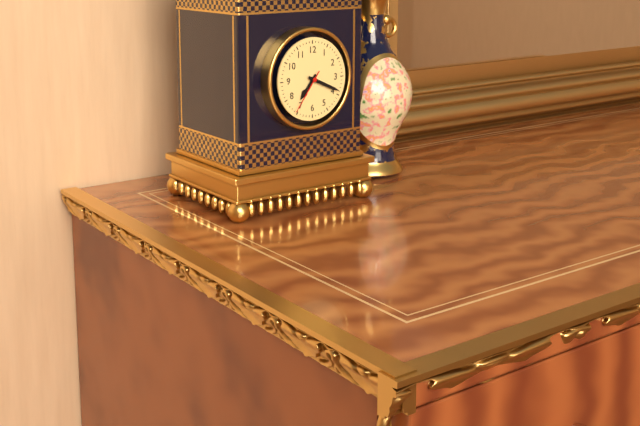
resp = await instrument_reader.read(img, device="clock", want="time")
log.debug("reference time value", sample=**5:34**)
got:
**7:19**
